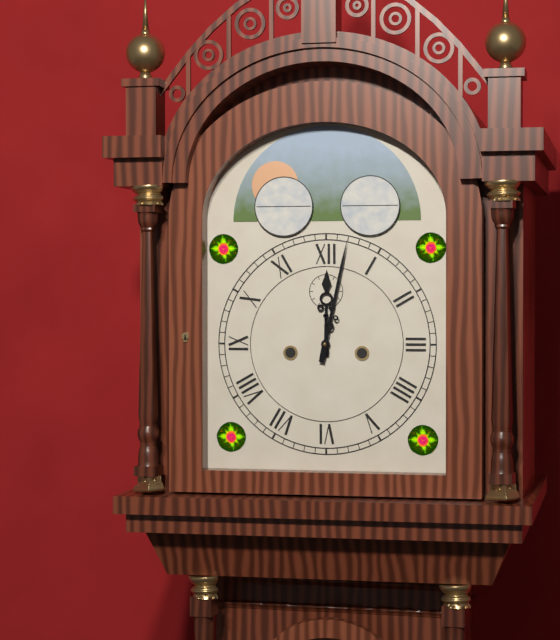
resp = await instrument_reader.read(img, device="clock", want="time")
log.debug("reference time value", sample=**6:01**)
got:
**12:02**
